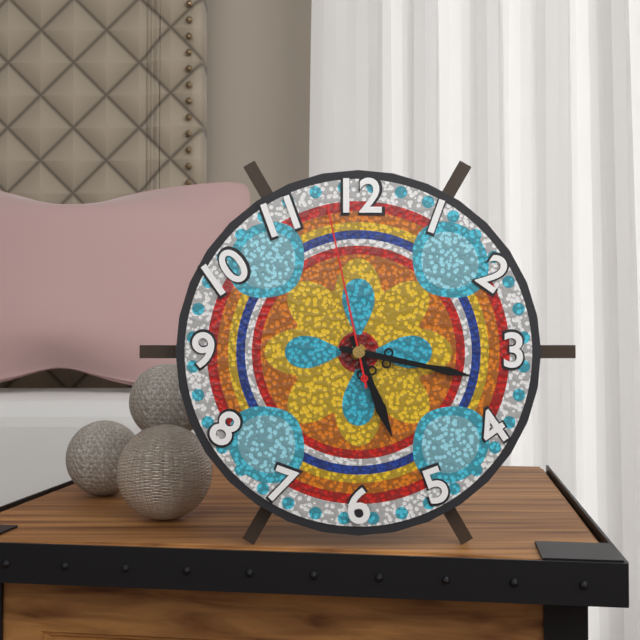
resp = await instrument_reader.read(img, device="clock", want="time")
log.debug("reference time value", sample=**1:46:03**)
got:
**5:17:58**
